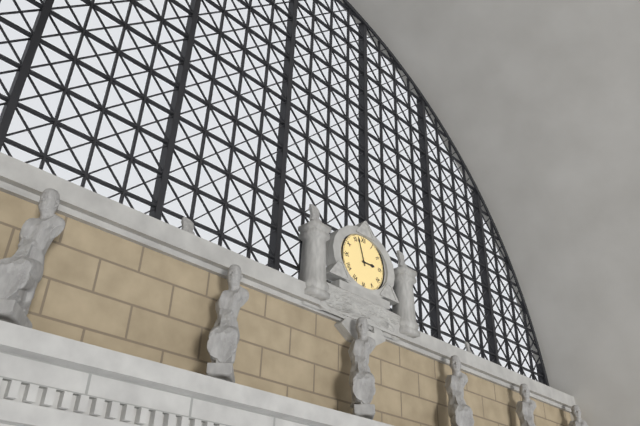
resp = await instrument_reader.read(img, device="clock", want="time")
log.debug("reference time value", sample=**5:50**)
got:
**2:57**
